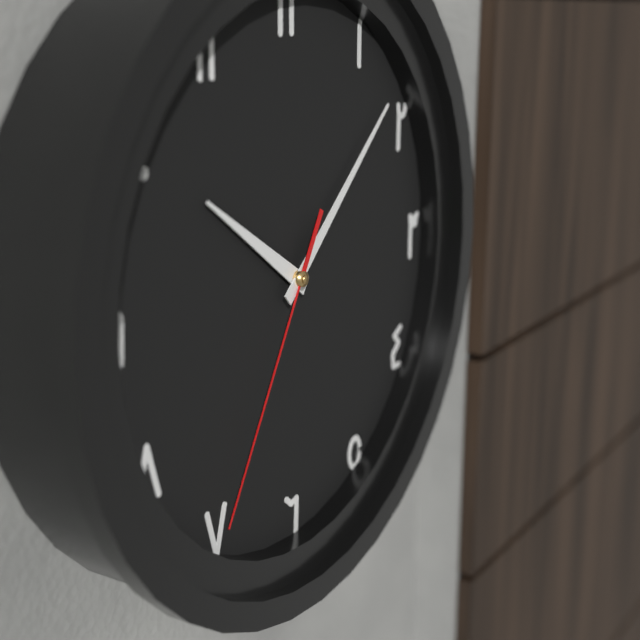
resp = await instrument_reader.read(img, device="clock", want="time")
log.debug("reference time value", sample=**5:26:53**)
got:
**10:08:35**
